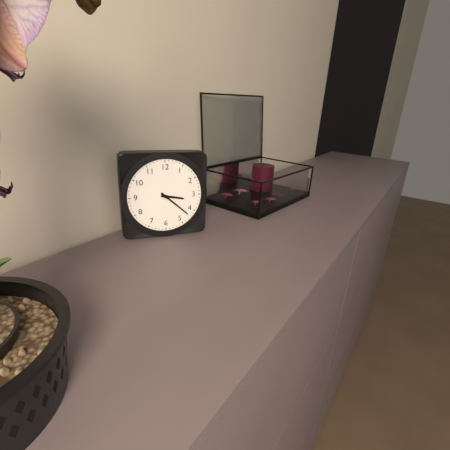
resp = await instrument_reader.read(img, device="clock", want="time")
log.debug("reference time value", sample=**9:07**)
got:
**3:22**
